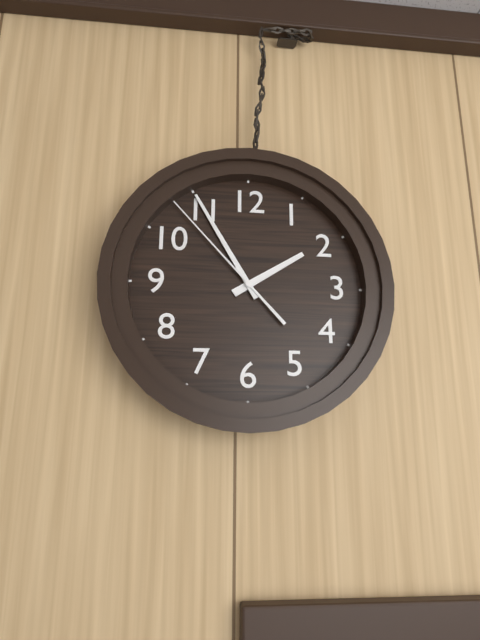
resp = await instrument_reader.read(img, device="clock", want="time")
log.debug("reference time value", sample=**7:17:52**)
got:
**1:55:53**
